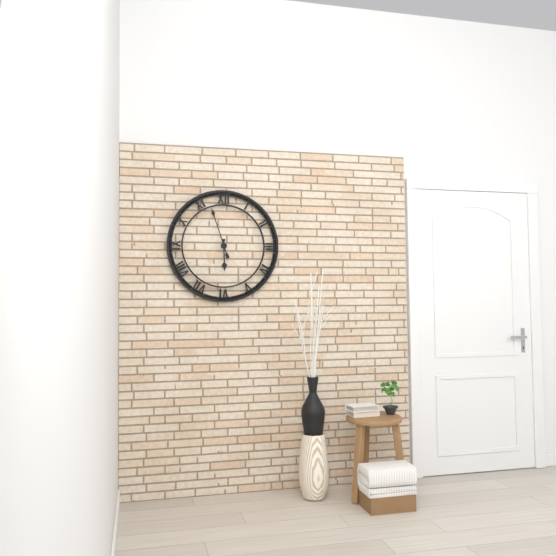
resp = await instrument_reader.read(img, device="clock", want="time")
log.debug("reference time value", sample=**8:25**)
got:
**5:57**
